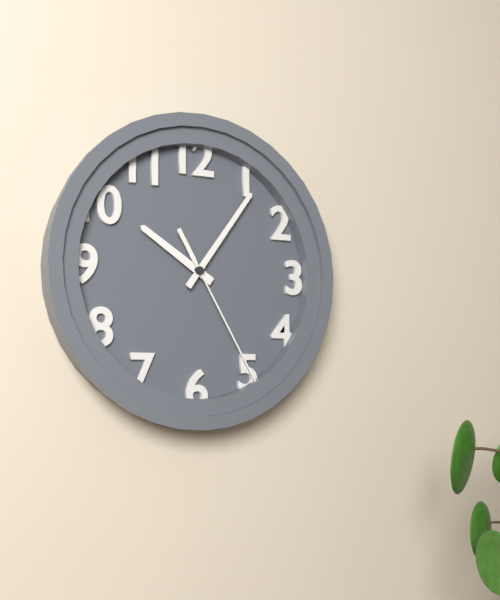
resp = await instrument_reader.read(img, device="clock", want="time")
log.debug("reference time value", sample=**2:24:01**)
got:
**10:06:25**
